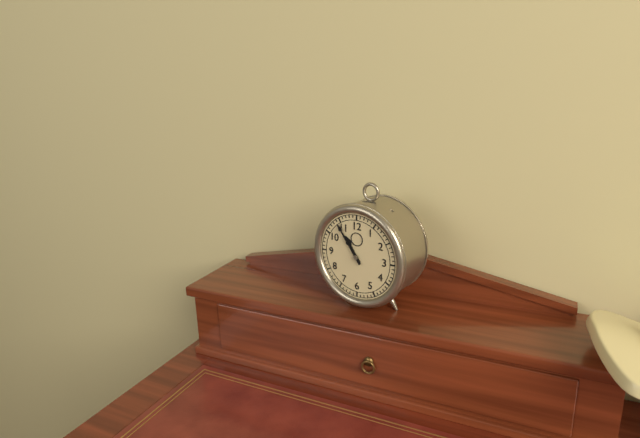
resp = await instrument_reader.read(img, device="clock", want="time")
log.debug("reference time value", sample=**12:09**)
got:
**10:54**
